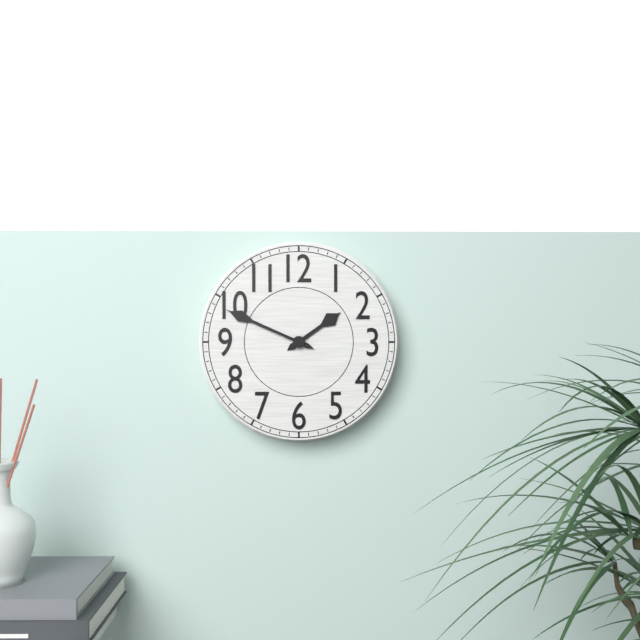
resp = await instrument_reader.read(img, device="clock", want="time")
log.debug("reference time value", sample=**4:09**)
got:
**1:49**
